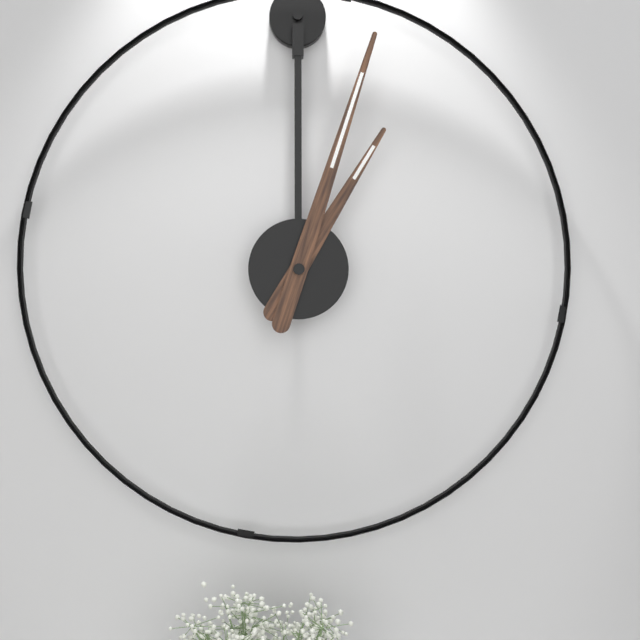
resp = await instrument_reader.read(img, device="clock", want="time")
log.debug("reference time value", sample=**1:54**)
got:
**1:03**
